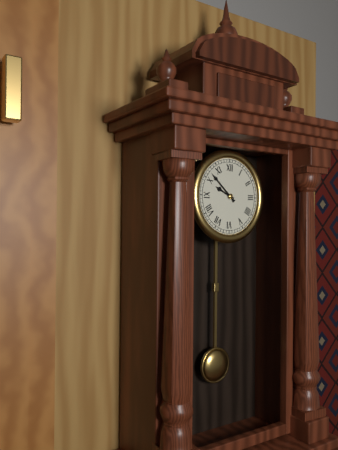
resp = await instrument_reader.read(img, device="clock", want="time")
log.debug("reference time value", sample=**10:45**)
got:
**9:52**
